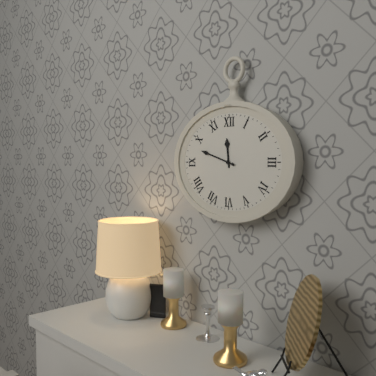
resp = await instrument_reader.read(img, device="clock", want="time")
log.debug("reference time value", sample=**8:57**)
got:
**11:48**
